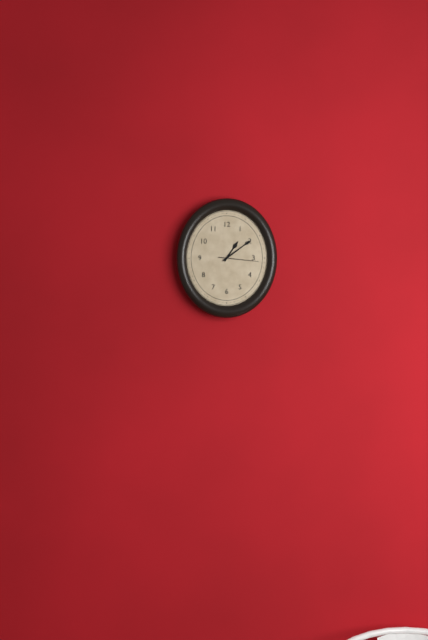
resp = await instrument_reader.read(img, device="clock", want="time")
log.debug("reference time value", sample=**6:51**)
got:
**1:09**
